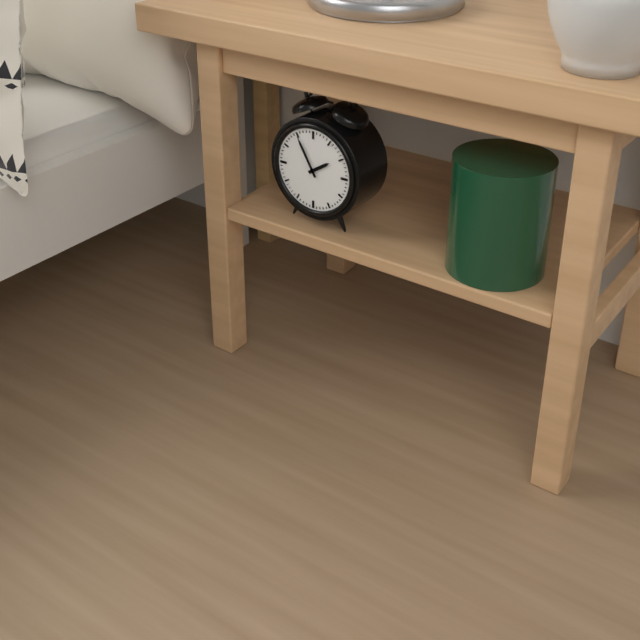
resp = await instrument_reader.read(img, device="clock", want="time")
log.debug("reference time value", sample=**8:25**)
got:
**1:55**
